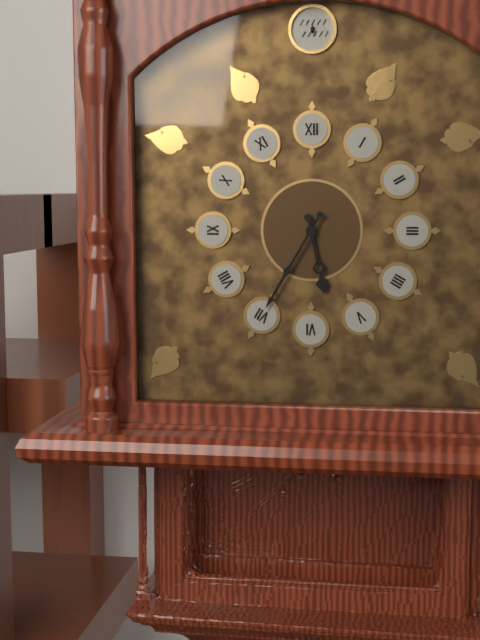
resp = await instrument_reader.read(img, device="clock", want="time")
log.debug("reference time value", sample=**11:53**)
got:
**5:35**
